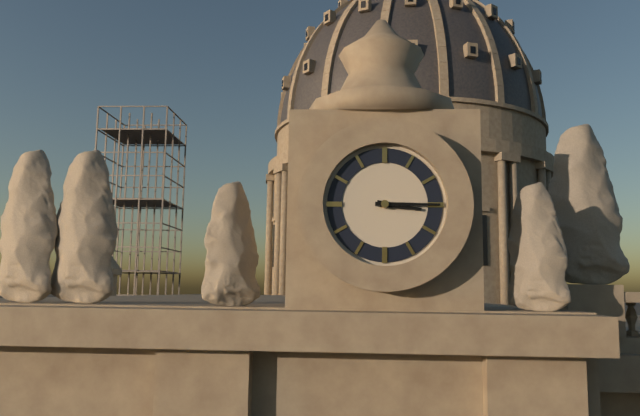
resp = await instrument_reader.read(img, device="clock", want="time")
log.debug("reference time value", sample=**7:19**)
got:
**3:15**
